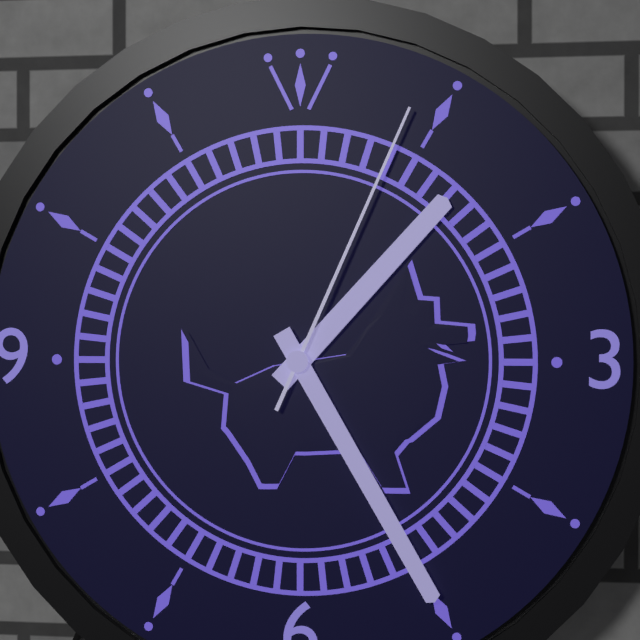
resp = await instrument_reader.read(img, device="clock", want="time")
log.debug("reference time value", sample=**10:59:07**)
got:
**1:25:04**
